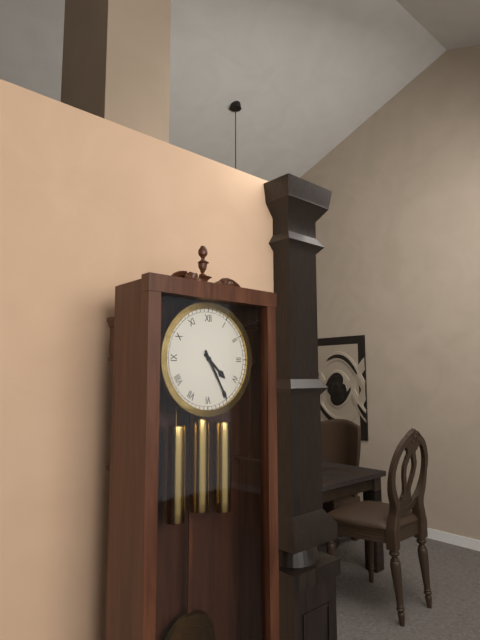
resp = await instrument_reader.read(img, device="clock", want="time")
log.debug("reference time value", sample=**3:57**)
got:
**4:25**
